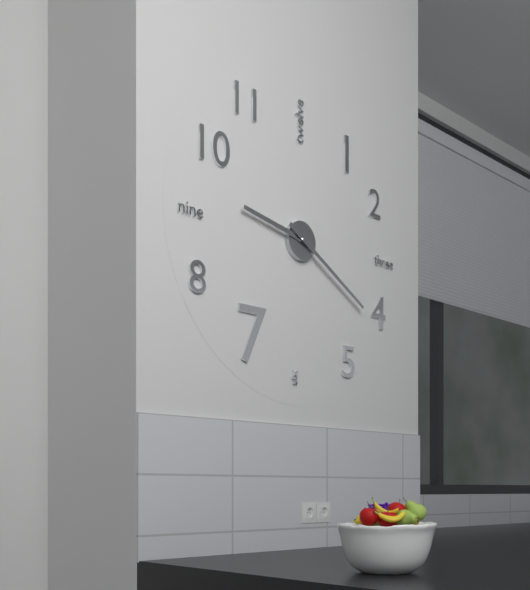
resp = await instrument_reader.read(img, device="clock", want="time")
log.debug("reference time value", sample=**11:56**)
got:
**9:20**
